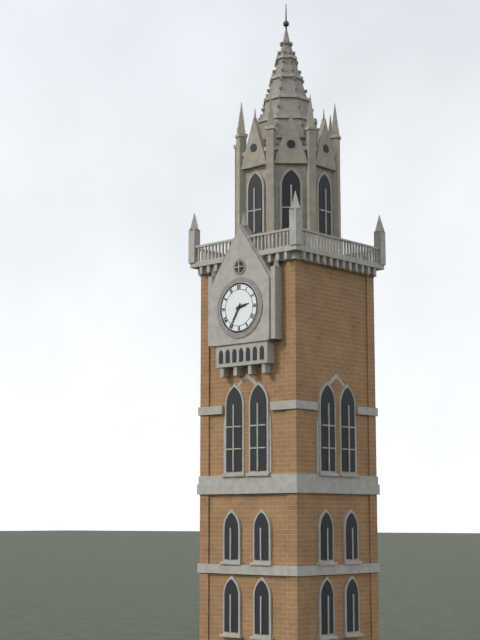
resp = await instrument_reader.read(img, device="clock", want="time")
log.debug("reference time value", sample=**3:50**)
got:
**2:35**
